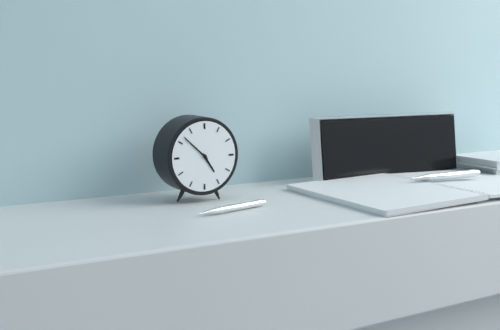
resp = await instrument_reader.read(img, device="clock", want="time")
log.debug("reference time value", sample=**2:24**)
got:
**4:52**
